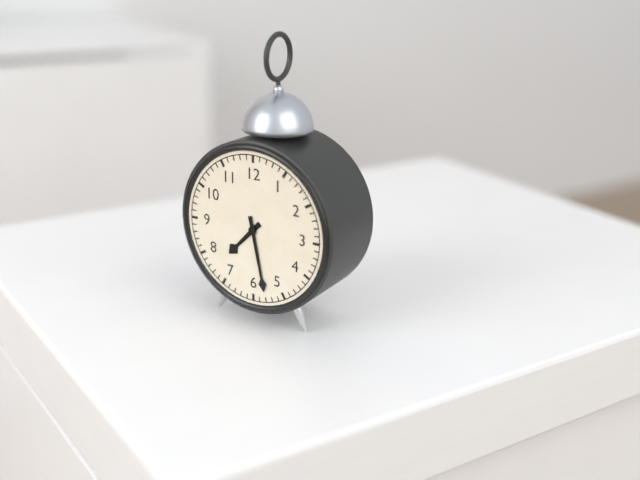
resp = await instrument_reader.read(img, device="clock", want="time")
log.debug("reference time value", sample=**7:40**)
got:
**7:28**
